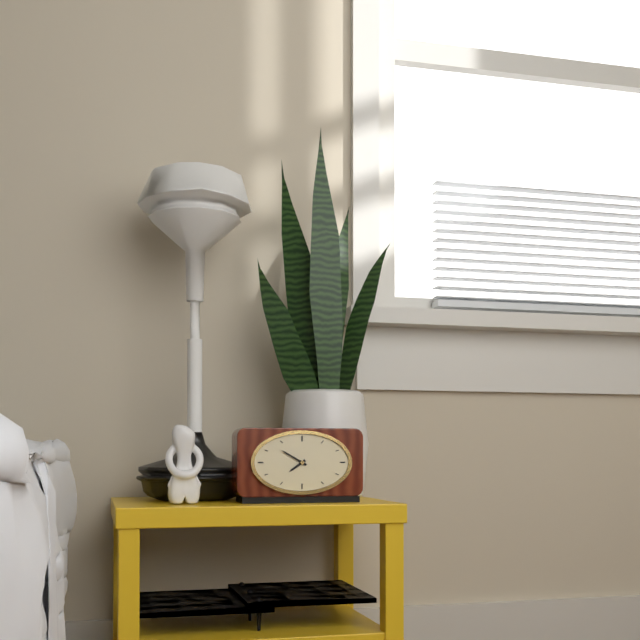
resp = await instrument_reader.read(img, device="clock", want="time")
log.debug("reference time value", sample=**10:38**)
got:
**7:50**
